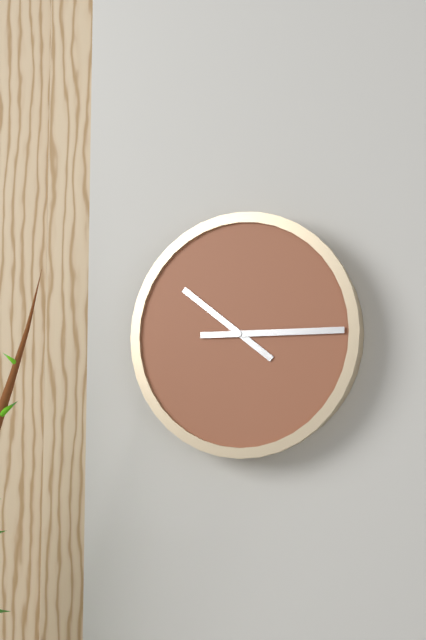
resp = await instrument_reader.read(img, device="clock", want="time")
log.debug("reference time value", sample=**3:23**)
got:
**10:15**
